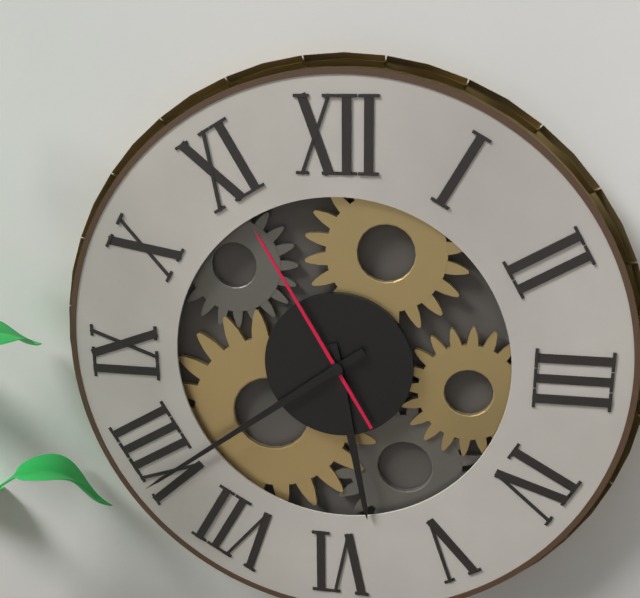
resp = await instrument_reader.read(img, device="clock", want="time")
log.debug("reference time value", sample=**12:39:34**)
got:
**5:39:55**
